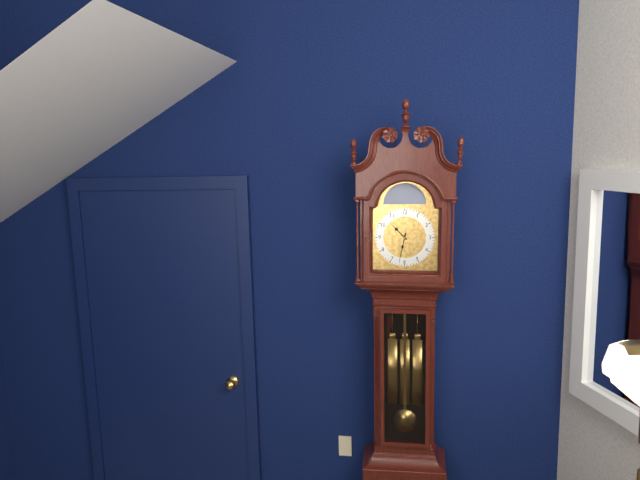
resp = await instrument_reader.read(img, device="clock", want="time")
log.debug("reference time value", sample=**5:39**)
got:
**10:32**
